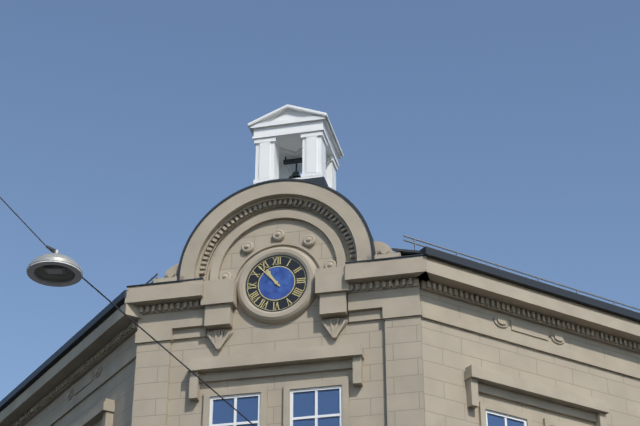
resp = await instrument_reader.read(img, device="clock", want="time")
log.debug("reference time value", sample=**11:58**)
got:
**10:53**
